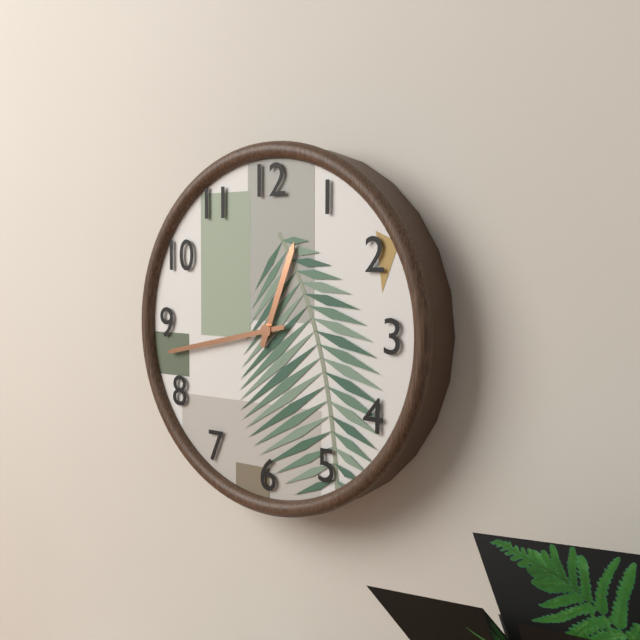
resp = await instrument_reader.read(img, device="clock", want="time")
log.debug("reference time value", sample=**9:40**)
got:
**12:43**
